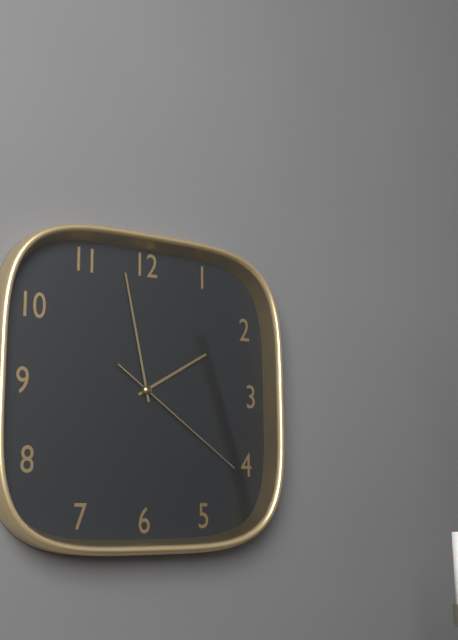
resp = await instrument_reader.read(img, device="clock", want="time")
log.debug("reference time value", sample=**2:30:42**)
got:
**1:58:21**
